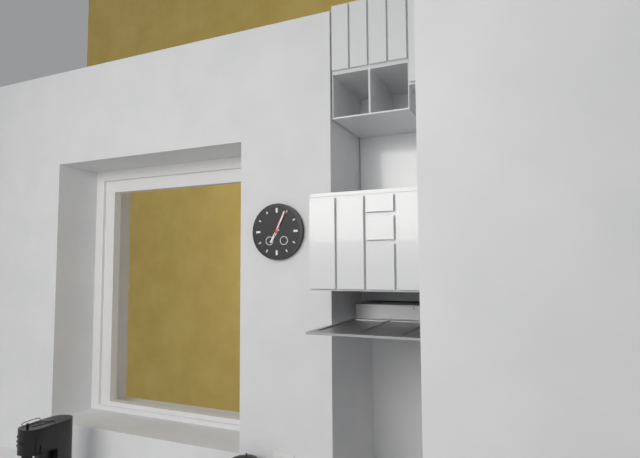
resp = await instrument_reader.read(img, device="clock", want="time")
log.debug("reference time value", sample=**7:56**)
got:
**7:04**
